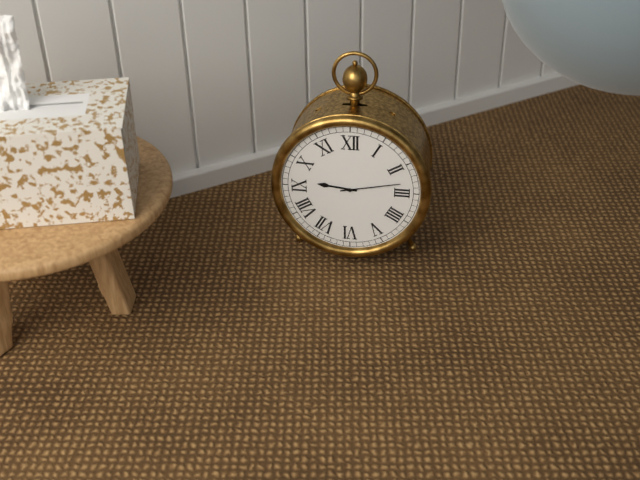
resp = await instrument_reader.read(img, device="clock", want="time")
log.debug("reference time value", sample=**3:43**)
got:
**9:13**
